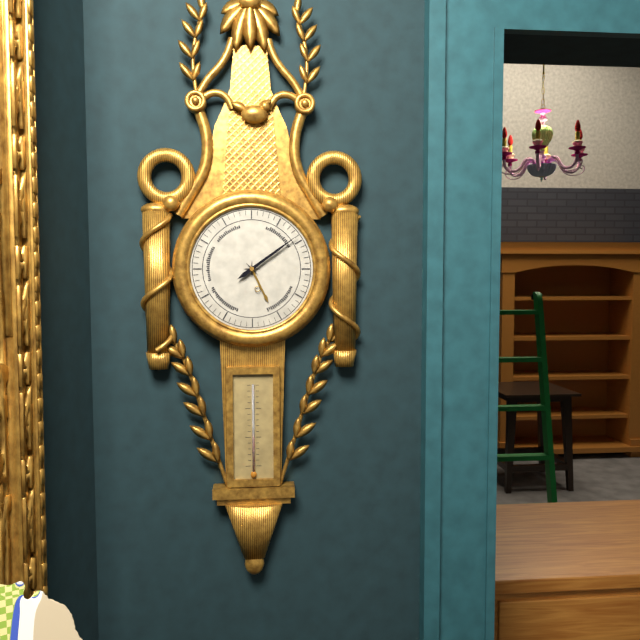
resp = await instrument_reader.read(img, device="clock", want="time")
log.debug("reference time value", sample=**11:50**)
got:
**5:09**
